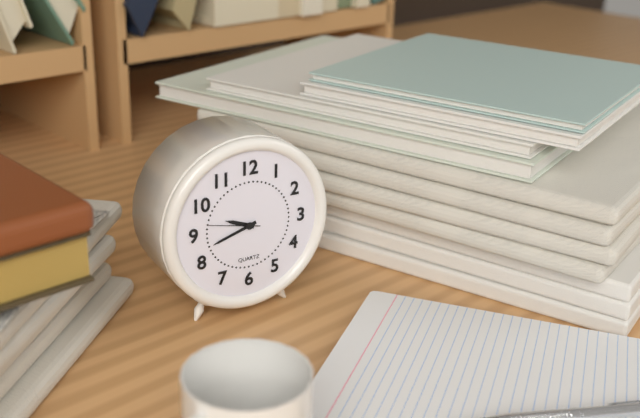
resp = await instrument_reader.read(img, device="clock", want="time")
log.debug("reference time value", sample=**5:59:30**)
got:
**9:42:47**
